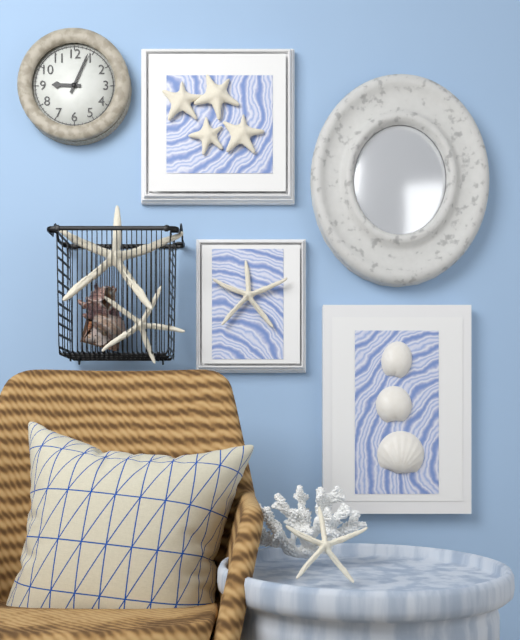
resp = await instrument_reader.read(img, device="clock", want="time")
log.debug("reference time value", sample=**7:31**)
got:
**9:04**
